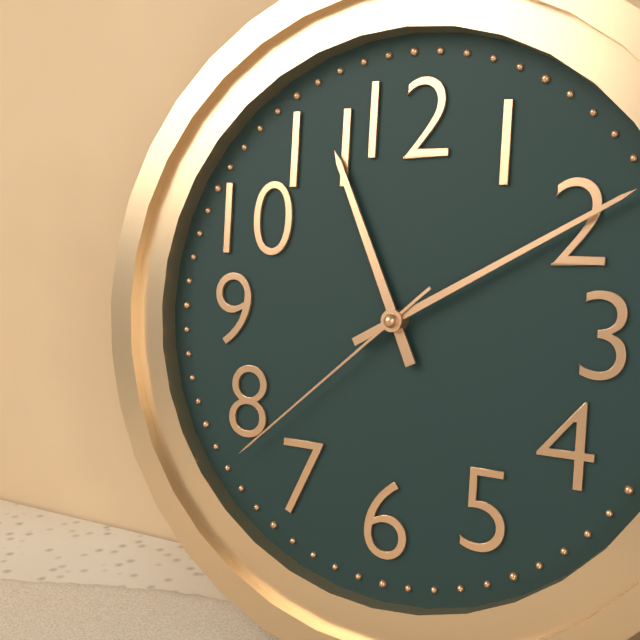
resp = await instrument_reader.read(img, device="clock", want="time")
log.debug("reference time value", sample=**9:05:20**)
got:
**11:10:38**
